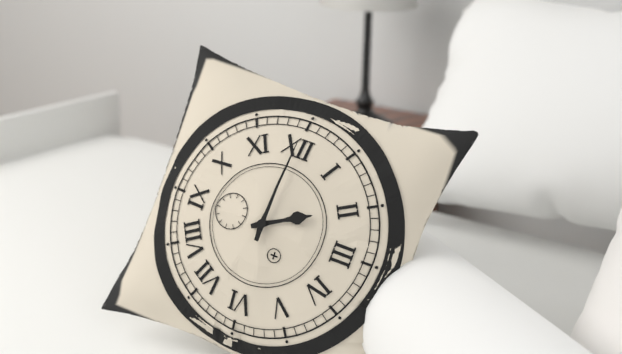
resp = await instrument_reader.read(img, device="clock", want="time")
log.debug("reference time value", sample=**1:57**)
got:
**2:00**
